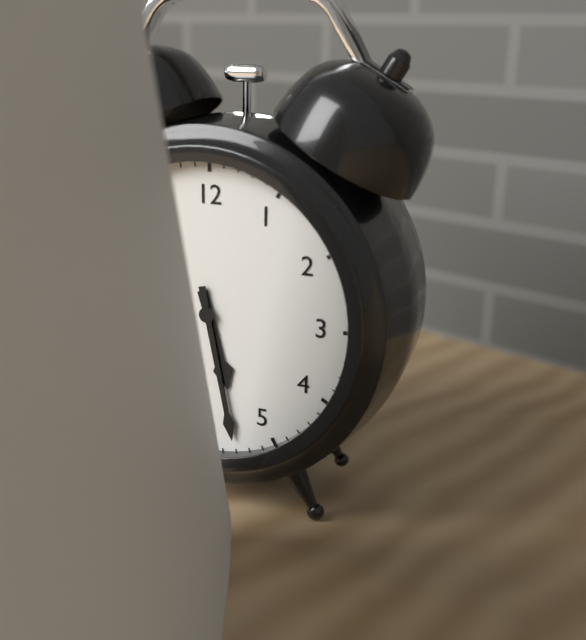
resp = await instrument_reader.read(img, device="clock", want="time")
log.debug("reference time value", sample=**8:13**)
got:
**5:28**
